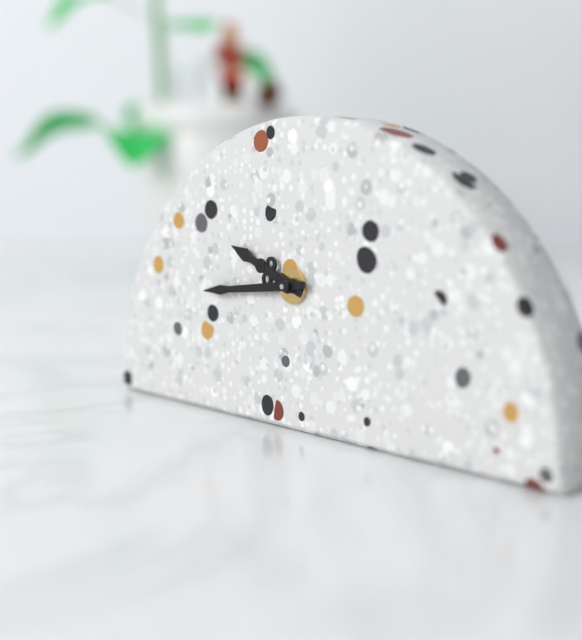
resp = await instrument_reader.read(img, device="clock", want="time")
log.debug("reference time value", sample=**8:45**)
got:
**9:44**
